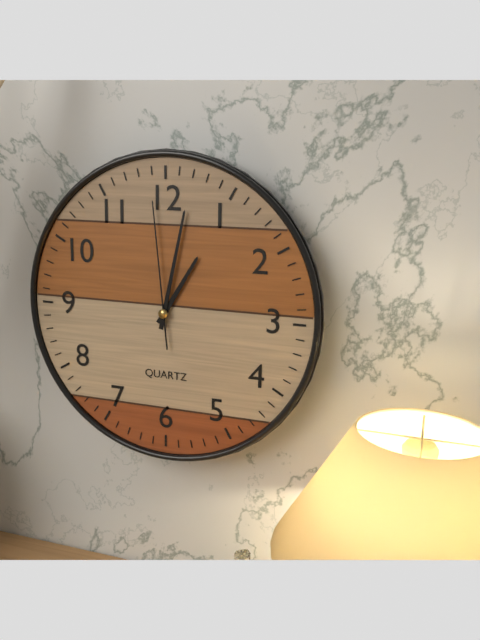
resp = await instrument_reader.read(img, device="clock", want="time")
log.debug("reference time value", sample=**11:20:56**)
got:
**1:02:59**
